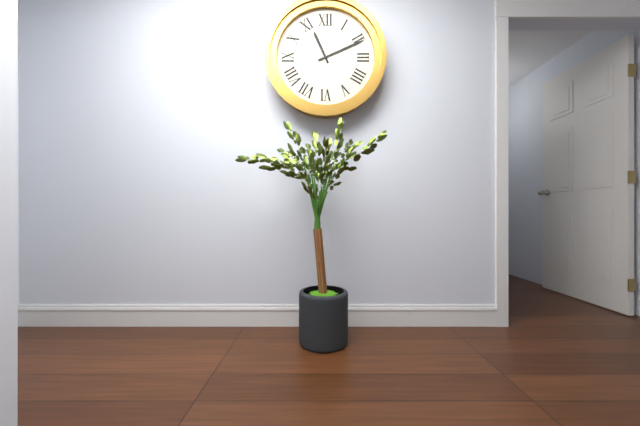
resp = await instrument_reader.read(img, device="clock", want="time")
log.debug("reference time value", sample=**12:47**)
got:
**11:11**
